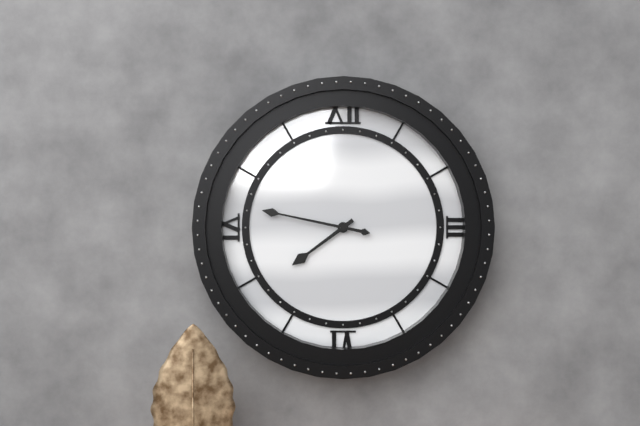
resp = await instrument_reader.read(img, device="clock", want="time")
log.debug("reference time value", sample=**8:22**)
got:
**7:47**
